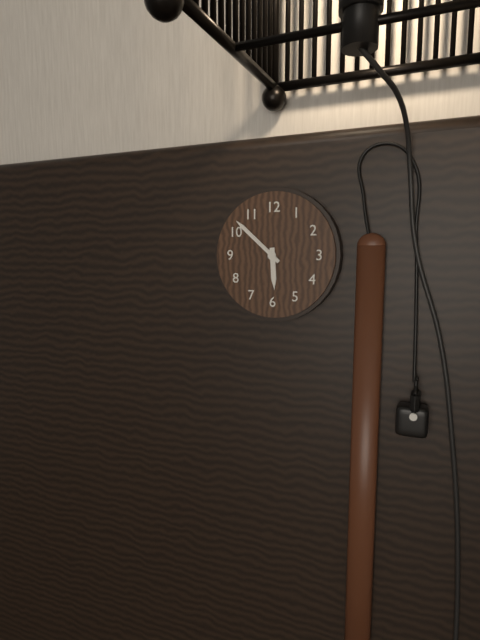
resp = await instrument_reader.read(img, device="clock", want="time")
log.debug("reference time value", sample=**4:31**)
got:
**5:52**
